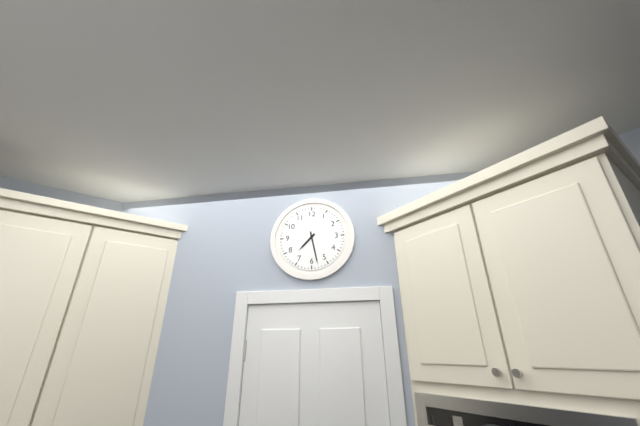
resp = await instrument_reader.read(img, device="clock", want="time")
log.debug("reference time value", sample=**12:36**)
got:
**7:28**
